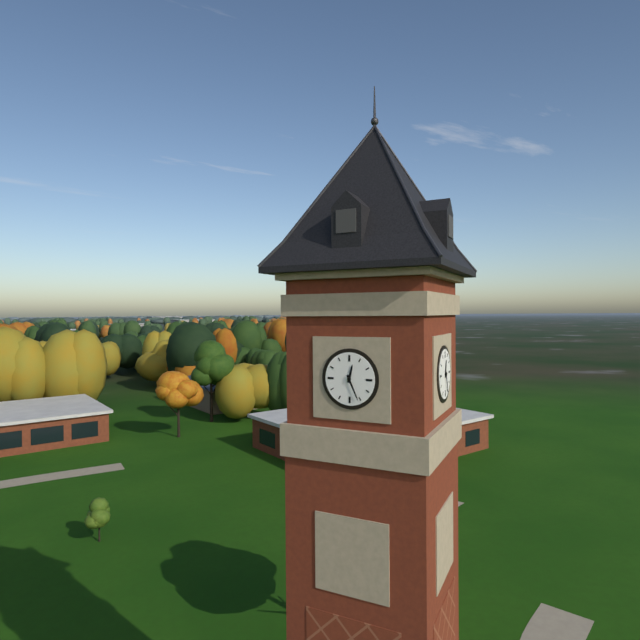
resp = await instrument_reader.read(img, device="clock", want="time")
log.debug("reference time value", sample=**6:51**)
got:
**12:26**
